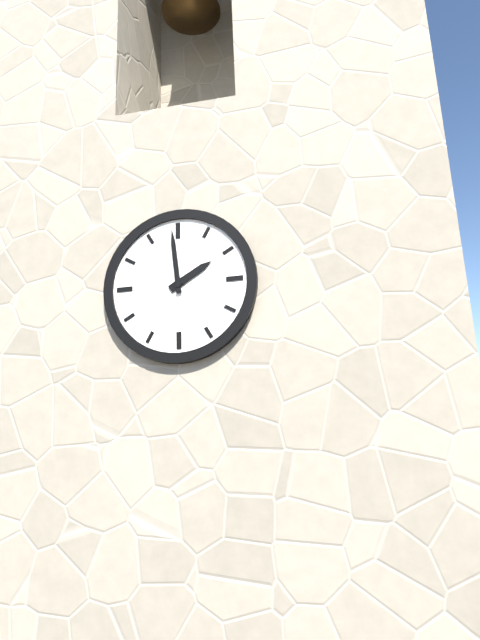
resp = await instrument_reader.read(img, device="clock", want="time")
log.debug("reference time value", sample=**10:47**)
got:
**1:59**
